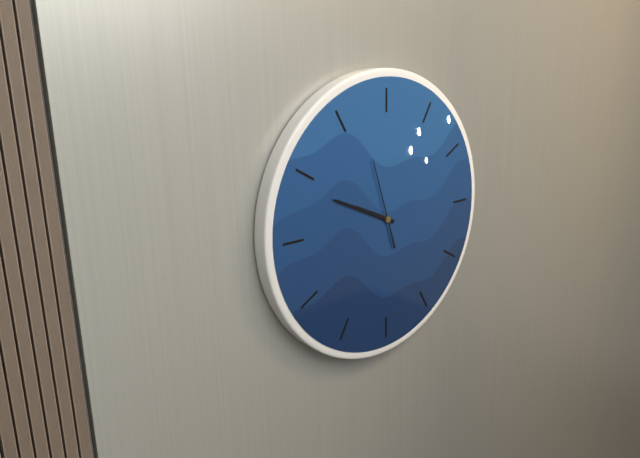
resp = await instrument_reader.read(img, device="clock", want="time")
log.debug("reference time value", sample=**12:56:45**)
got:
**9:49:57**
